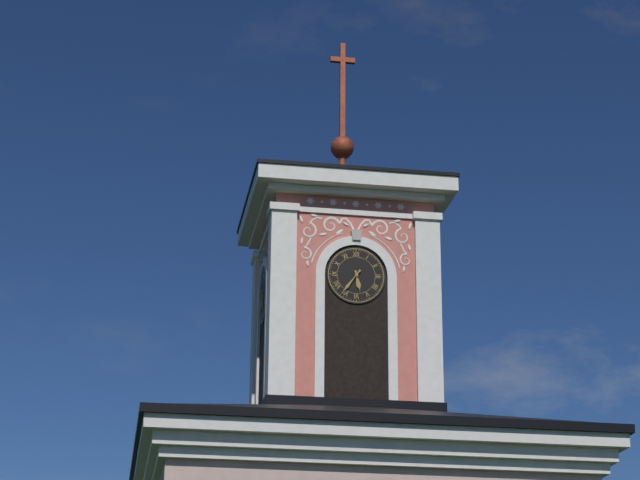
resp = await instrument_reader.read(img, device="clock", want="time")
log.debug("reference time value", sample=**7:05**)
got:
**5:36**
